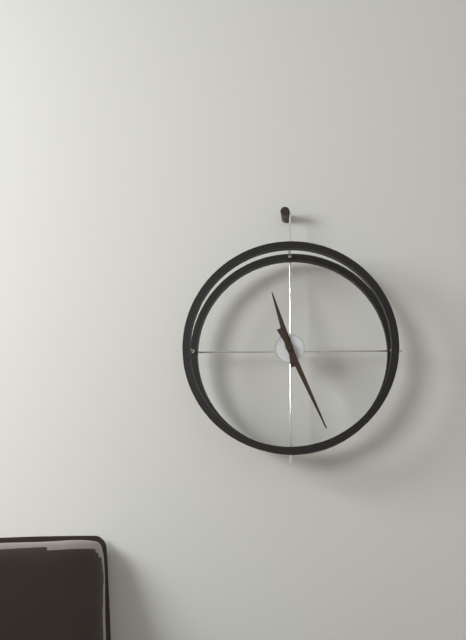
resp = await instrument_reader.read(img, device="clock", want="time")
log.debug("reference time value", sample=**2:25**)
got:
**11:26**
